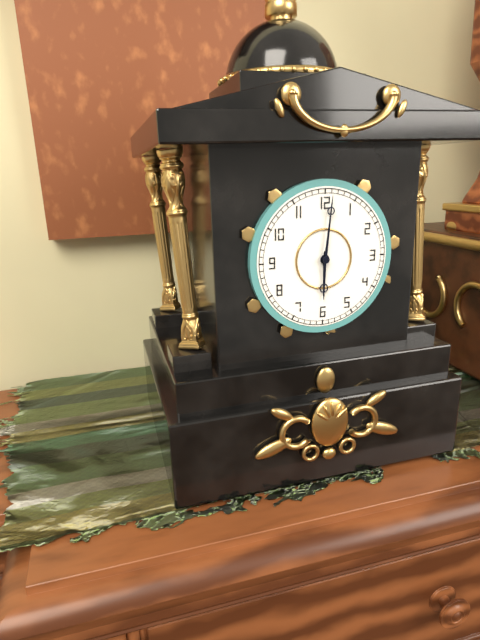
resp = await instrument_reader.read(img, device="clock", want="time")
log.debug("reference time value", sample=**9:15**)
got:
**6:01**
